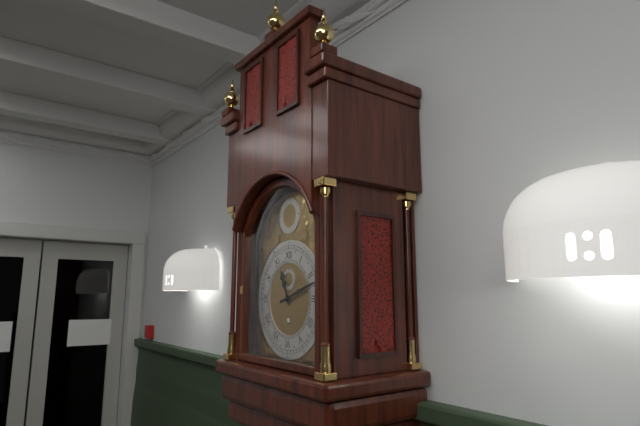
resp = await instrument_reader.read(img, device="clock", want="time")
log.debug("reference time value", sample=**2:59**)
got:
**11:12**
